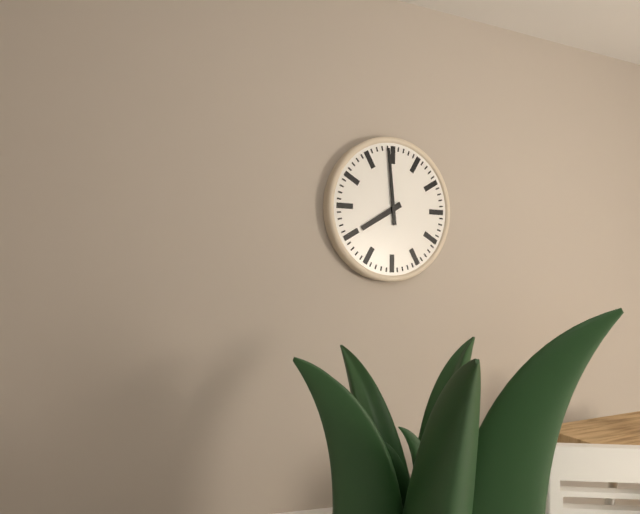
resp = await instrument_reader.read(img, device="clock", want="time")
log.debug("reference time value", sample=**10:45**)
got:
**7:59**
